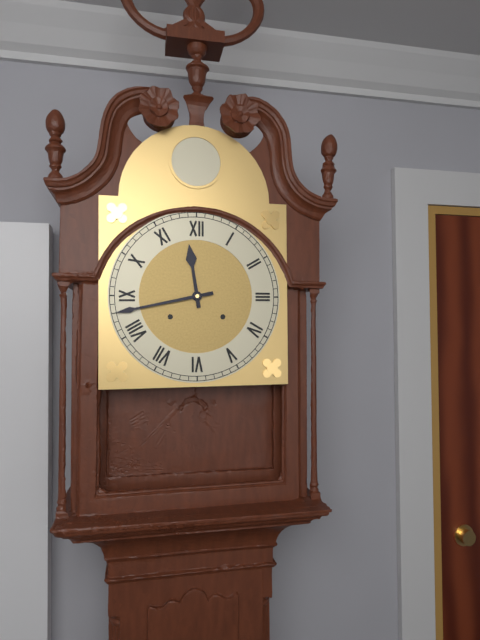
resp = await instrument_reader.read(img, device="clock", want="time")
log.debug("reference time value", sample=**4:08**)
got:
**11:43**
